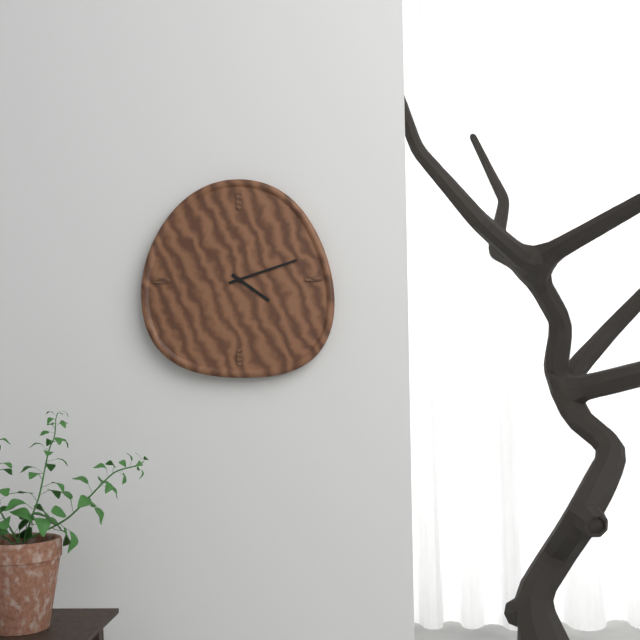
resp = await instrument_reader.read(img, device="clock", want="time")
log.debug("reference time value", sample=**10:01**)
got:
**4:12**
